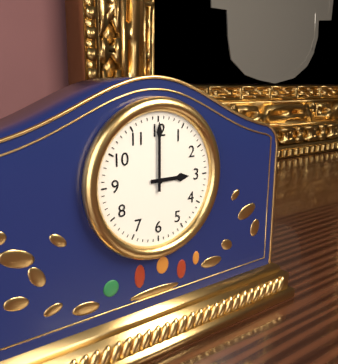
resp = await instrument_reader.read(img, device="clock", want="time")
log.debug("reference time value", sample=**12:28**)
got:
**3:00**
